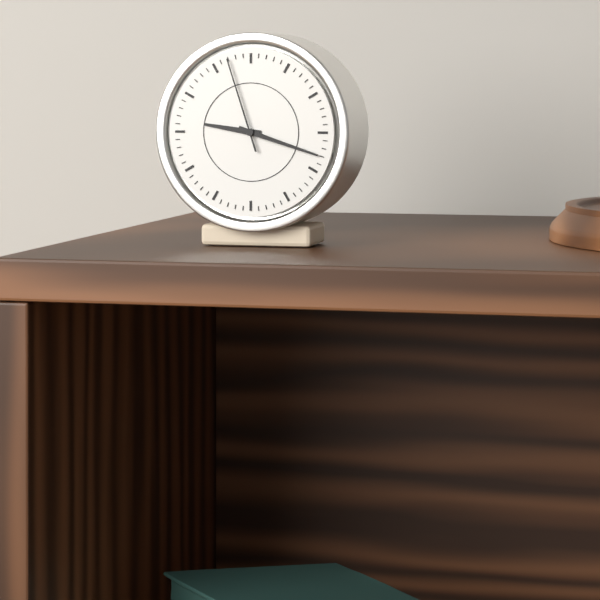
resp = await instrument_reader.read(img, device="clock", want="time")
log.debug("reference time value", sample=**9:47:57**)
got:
**9:18:57**
